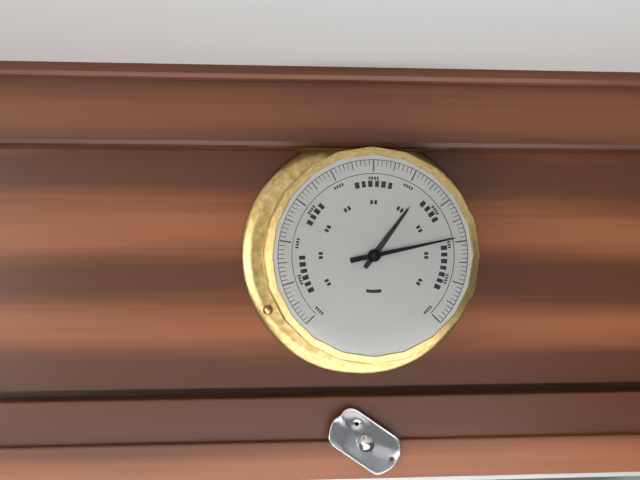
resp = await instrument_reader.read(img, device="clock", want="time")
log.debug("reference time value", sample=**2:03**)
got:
**1:13**
